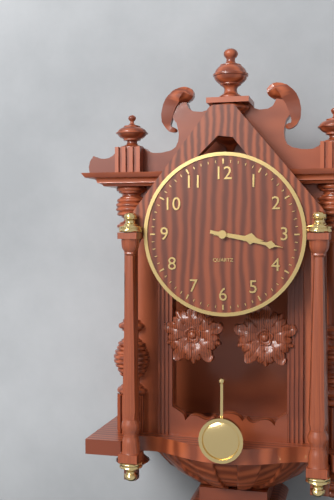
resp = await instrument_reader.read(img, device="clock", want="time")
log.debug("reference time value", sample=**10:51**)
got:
**3:17**
